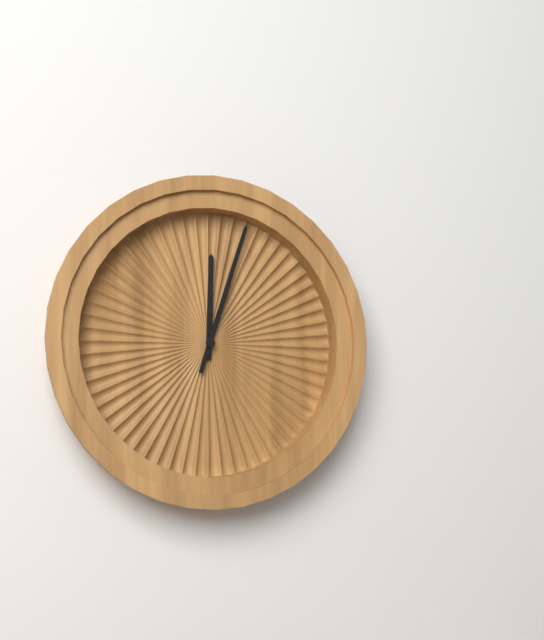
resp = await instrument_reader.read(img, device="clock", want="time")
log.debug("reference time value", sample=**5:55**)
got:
**12:03**
